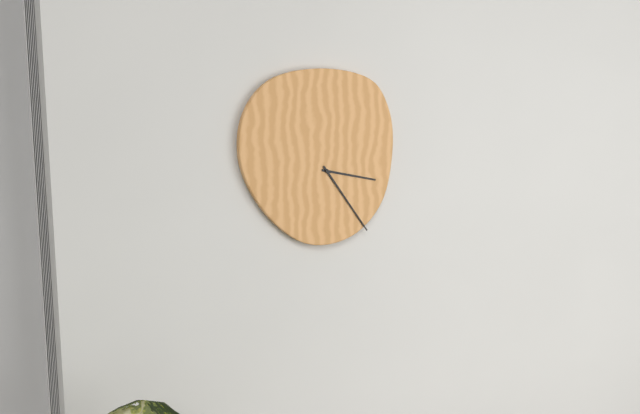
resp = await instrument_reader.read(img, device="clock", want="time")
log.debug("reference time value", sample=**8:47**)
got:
**3:24**
